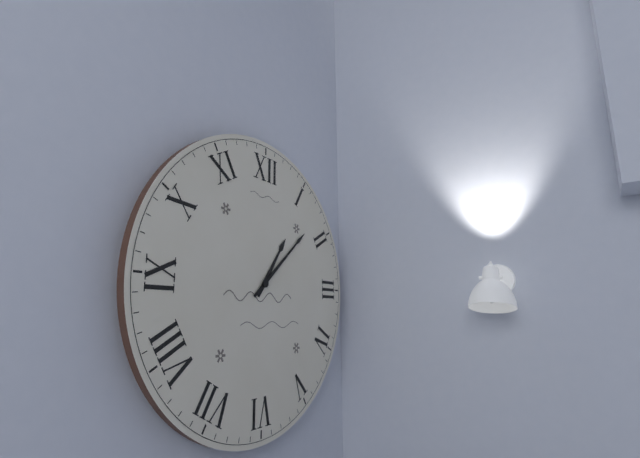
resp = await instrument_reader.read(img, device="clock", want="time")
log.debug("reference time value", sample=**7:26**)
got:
**1:08**
